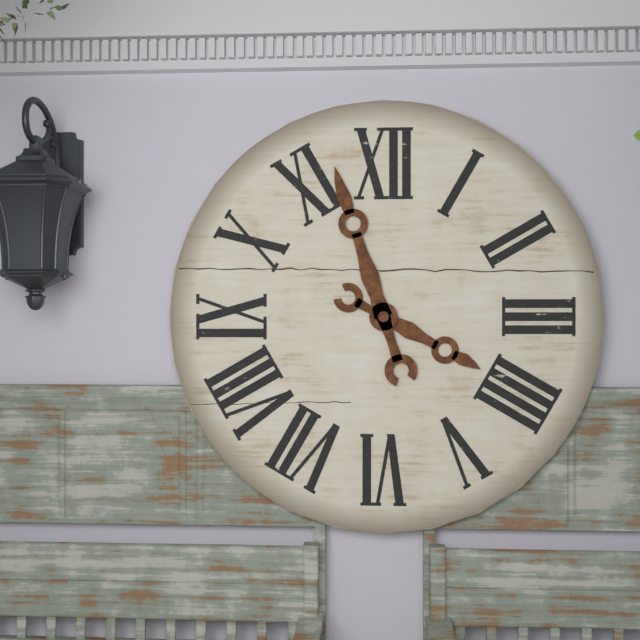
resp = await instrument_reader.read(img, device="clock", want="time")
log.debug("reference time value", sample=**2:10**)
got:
**3:57**
